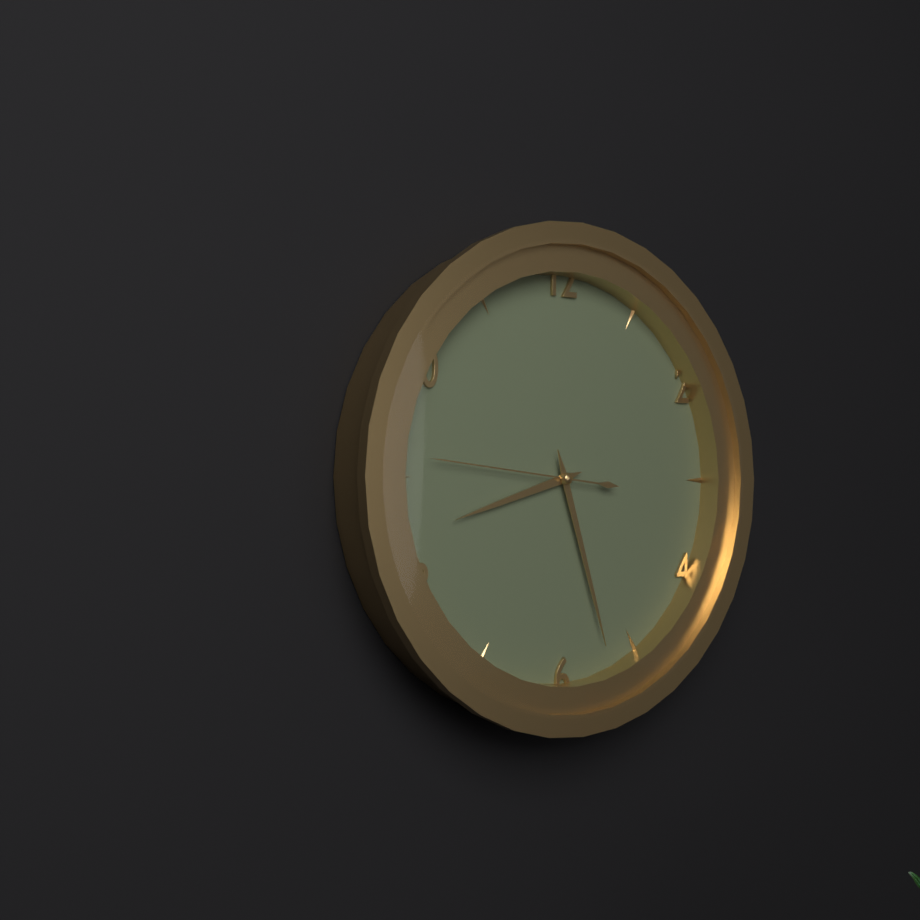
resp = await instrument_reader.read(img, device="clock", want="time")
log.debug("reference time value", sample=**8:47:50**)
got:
**8:27:46**
